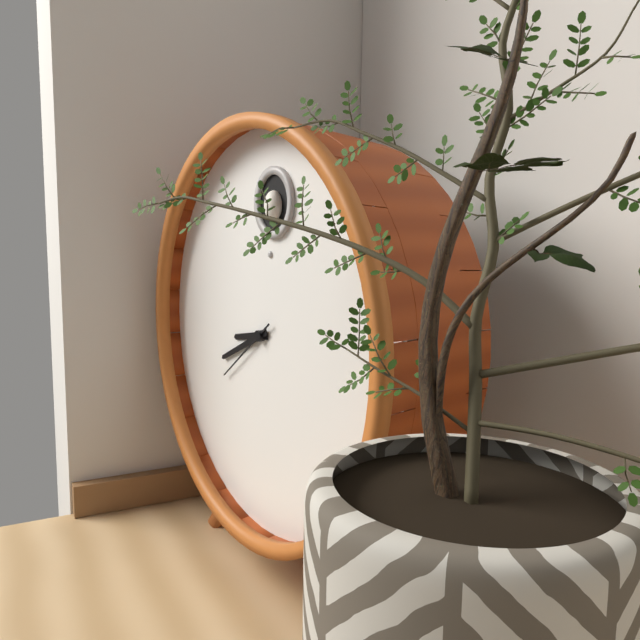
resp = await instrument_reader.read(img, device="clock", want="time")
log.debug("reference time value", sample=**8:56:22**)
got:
**8:41:39**
